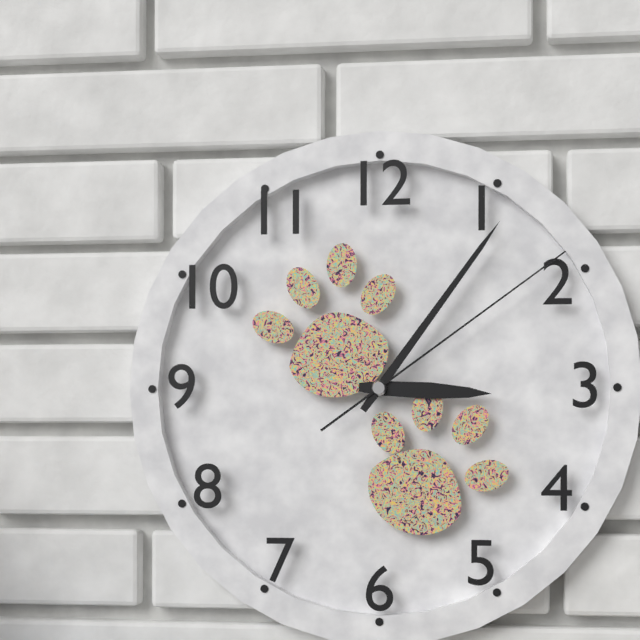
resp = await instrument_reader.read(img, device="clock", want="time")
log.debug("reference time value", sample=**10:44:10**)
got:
**3:06:09**
